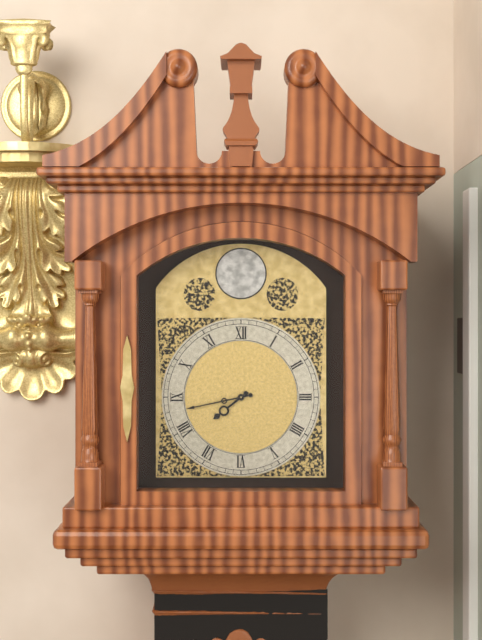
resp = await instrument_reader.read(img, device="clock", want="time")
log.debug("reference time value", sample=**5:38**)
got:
**7:43**
